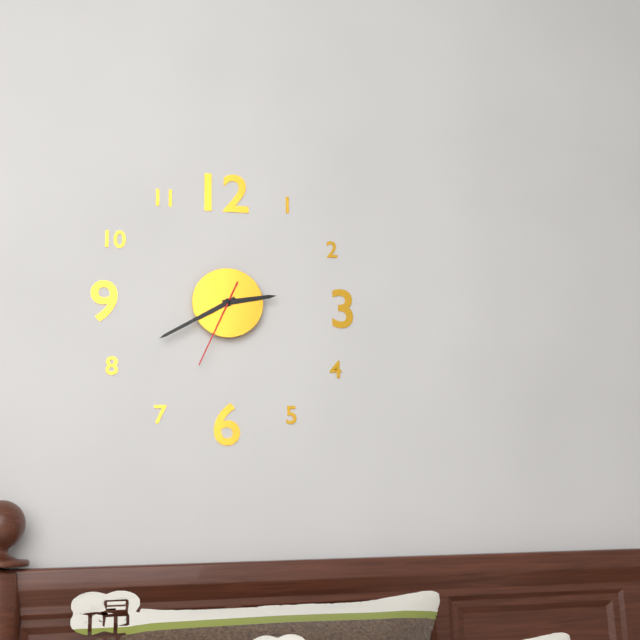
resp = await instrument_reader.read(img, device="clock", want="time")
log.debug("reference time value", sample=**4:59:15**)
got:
**2:40:34**
